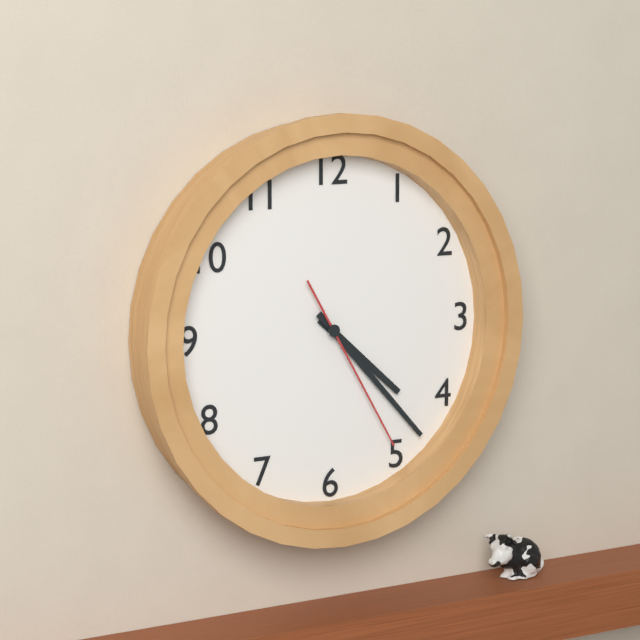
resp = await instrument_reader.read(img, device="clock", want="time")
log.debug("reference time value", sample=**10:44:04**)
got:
**4:23:25**
